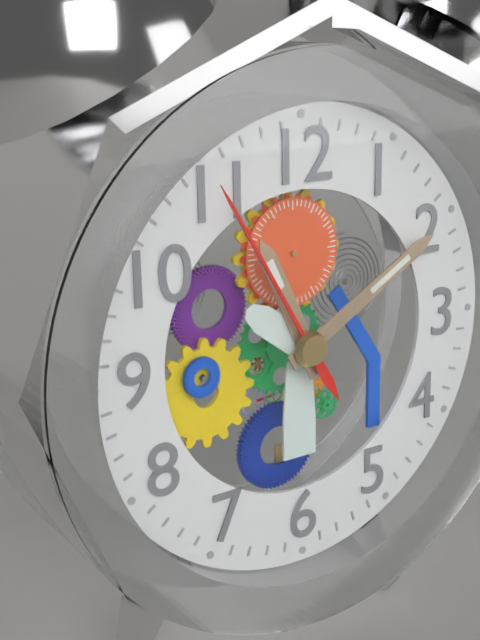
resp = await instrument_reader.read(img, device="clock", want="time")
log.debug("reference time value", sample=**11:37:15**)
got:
**11:10:55**
